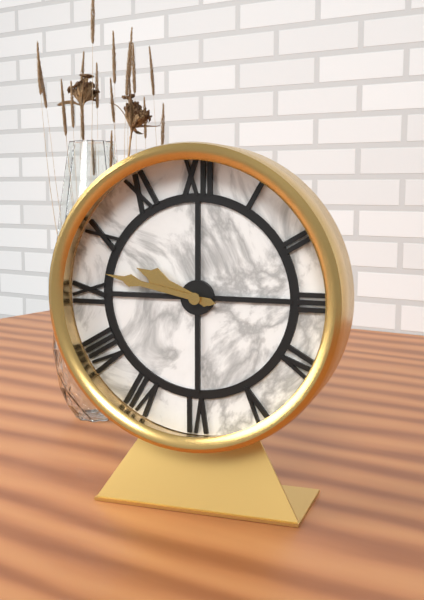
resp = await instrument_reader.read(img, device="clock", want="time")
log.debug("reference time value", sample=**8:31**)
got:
**9:47**
